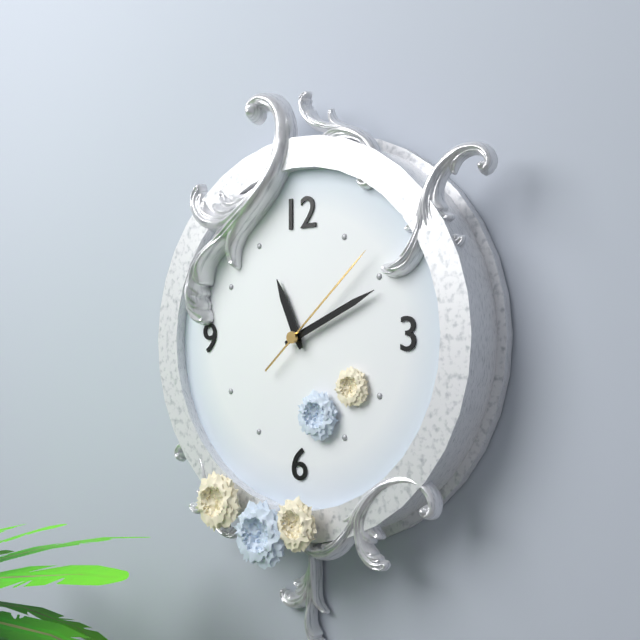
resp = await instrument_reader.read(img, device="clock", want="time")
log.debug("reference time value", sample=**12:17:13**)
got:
**11:11:08**
